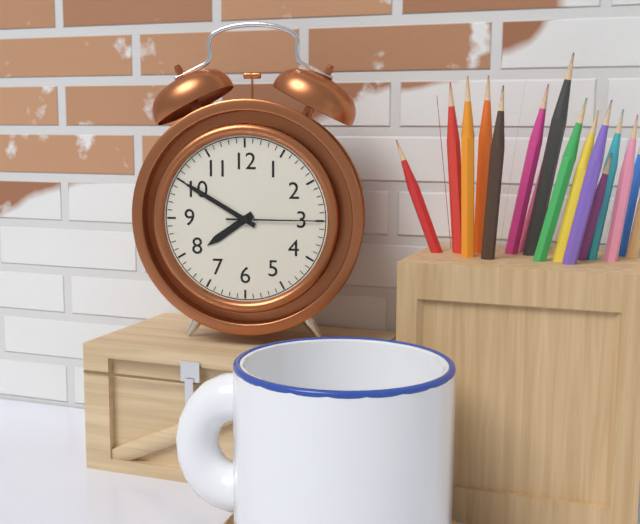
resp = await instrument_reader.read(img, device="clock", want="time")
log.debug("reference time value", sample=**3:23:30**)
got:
**7:50:15**
